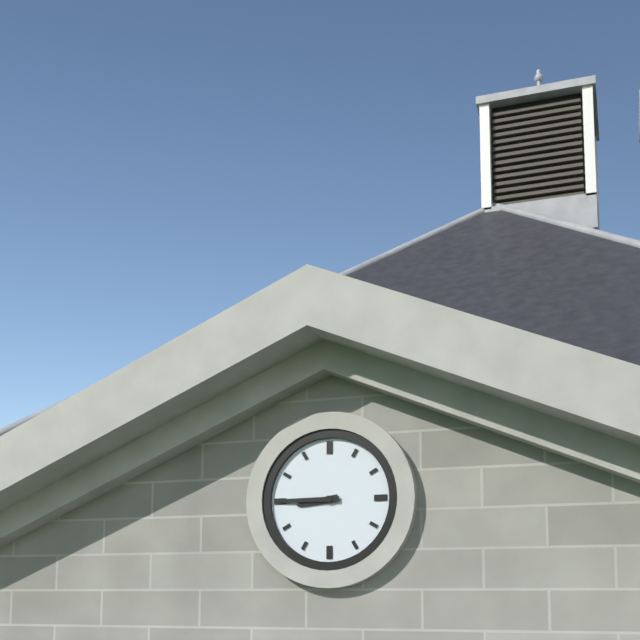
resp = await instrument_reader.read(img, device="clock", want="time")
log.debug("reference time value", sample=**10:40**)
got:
**8:45**
